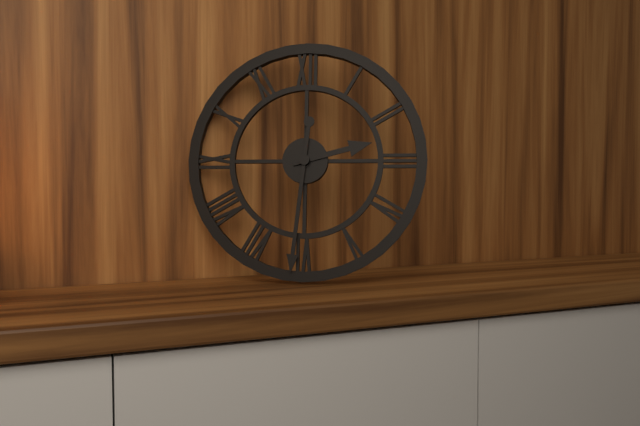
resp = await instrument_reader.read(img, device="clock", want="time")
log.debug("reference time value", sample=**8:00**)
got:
**2:31**
